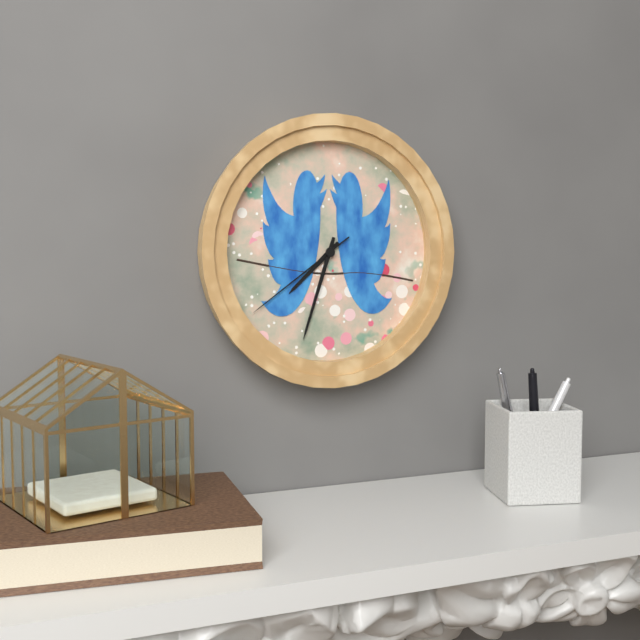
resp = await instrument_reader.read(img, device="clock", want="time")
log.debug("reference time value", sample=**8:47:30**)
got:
**7:33:39**
